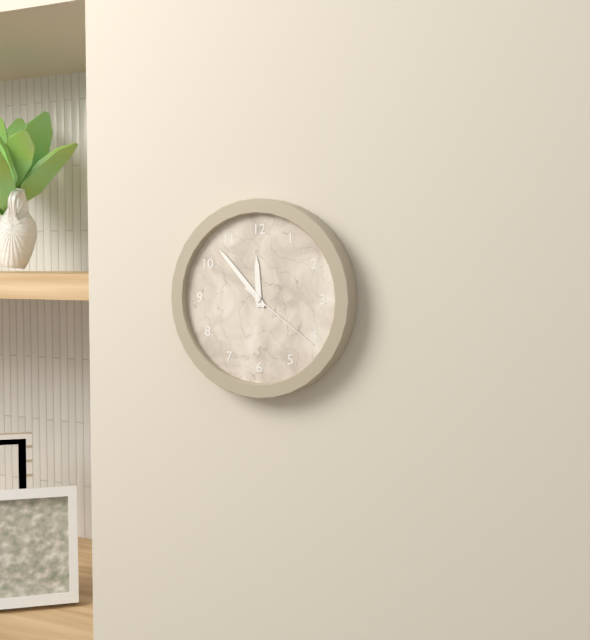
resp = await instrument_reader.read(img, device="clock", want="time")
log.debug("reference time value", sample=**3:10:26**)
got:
**11:53:21**
